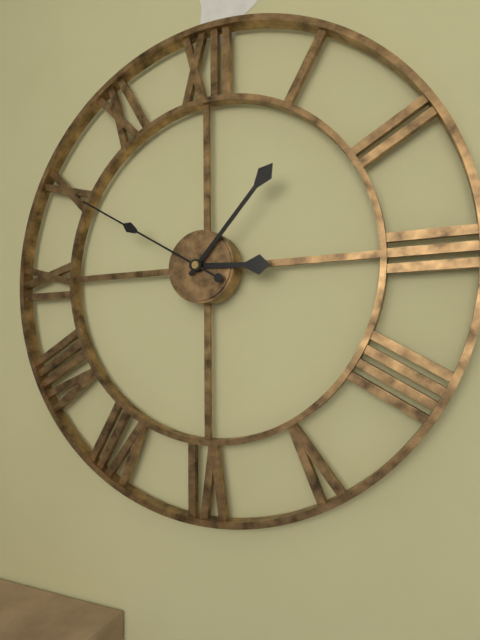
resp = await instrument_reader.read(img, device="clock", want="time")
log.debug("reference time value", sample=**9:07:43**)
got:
**3:07:50**
